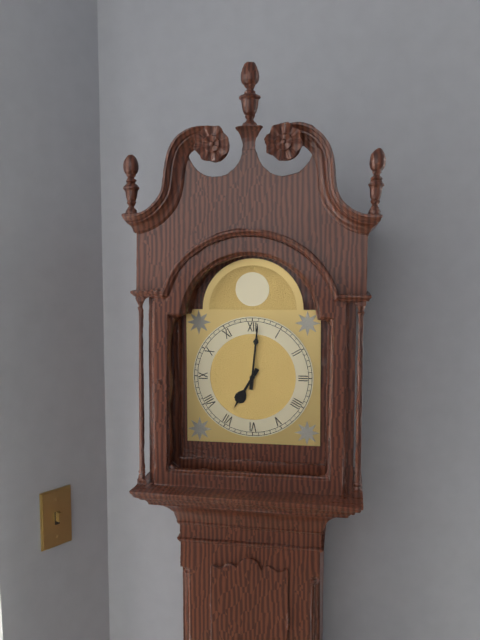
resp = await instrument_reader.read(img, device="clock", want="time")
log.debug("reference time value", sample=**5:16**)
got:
**7:01**
